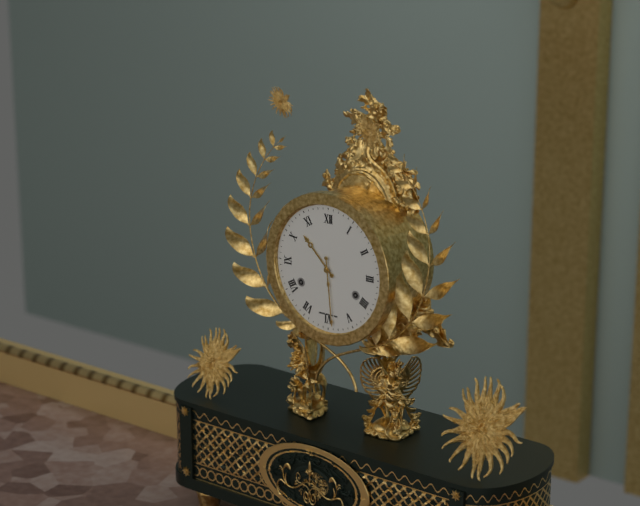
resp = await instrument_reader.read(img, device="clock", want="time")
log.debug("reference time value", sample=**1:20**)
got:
**10:29**
